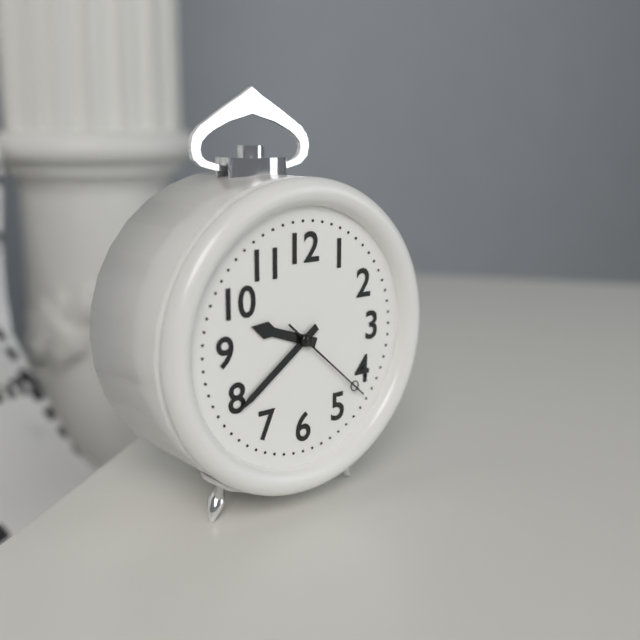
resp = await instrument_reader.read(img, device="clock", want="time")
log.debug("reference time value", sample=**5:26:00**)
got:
**9:39:22**
